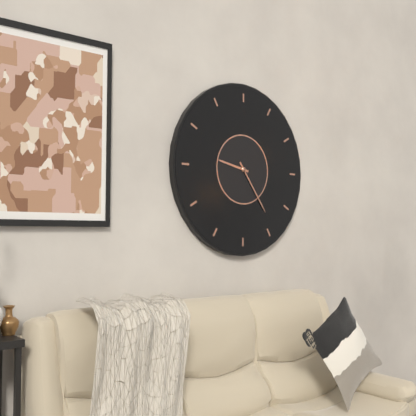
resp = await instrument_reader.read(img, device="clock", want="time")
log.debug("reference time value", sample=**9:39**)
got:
**9:24**
